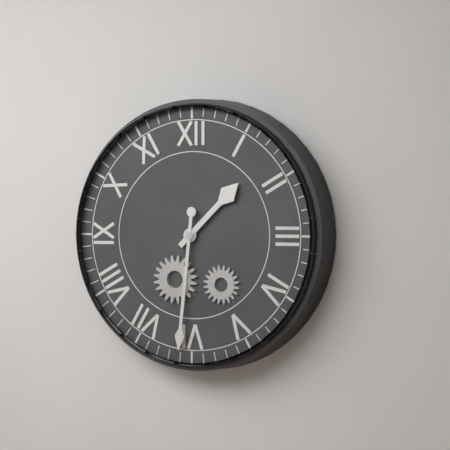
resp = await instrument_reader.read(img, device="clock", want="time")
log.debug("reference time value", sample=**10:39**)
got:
**1:31**
